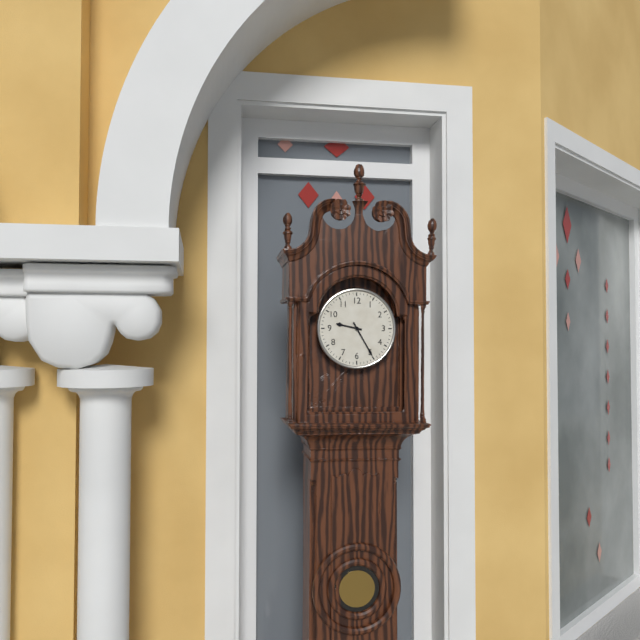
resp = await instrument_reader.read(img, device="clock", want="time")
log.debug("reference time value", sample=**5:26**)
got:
**9:25**
